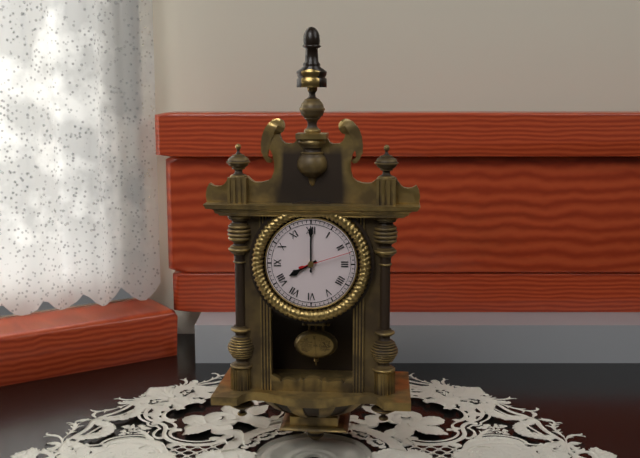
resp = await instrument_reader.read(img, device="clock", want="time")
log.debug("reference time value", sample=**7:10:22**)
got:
**8:00:12**
